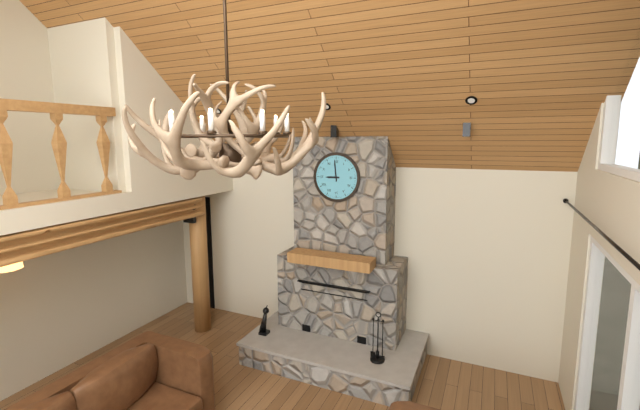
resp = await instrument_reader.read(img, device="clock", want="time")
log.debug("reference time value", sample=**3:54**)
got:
**8:59**
